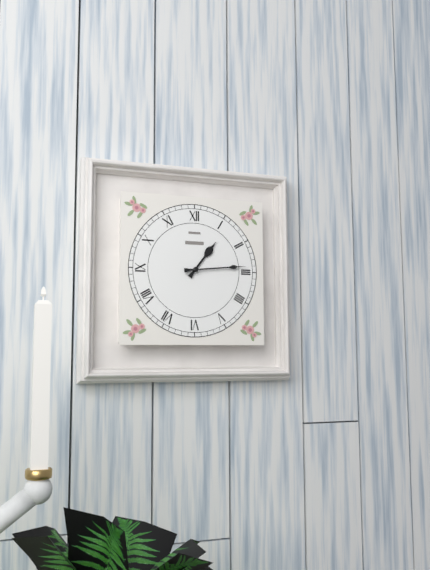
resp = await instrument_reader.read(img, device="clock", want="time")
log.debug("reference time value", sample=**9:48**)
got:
**1:14**
